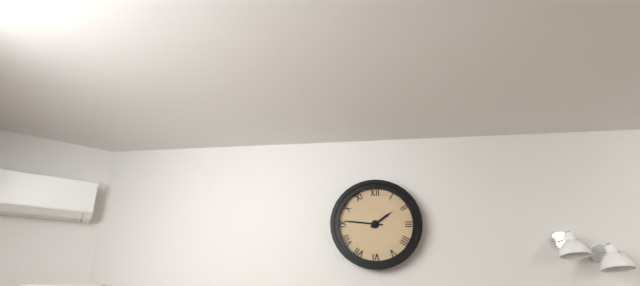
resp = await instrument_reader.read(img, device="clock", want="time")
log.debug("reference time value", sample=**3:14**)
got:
**1:46**
